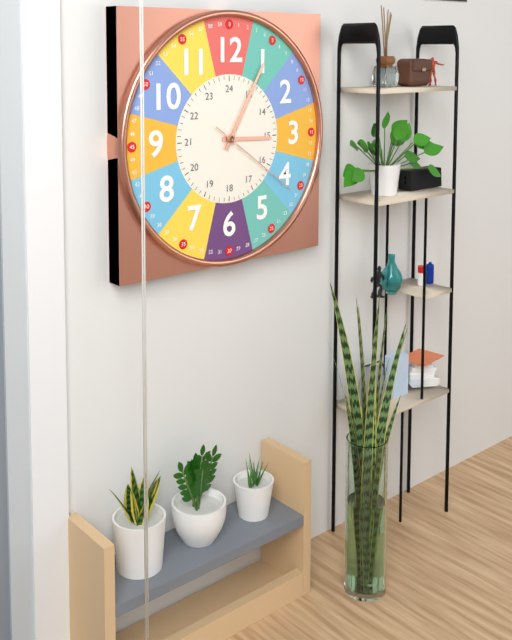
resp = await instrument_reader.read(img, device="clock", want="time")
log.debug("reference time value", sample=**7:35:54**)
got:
**3:05:21**
